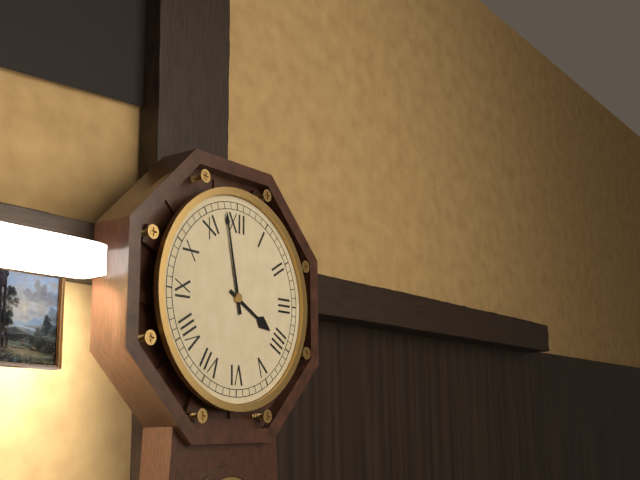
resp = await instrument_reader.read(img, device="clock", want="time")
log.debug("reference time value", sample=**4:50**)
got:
**3:58**
